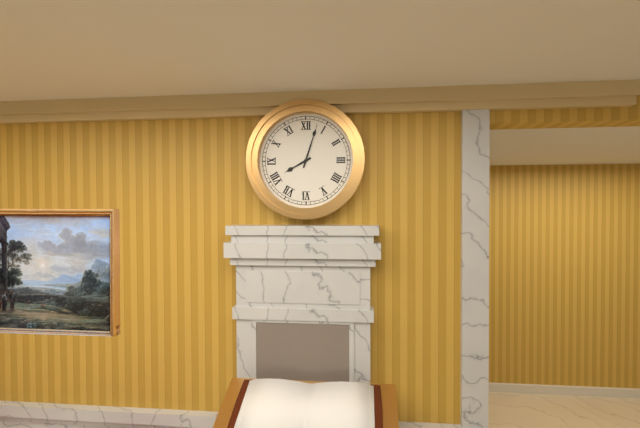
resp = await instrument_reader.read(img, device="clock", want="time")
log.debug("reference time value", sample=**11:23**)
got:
**8:03**
